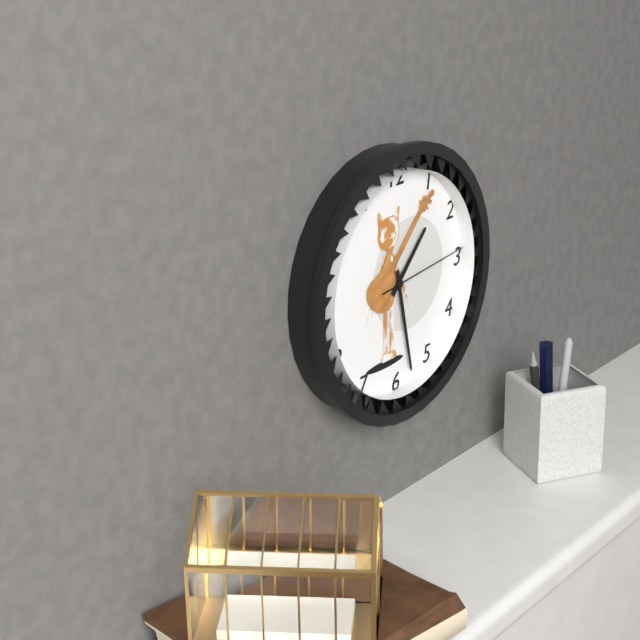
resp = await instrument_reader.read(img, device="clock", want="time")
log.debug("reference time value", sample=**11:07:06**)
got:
**1:28:14**
